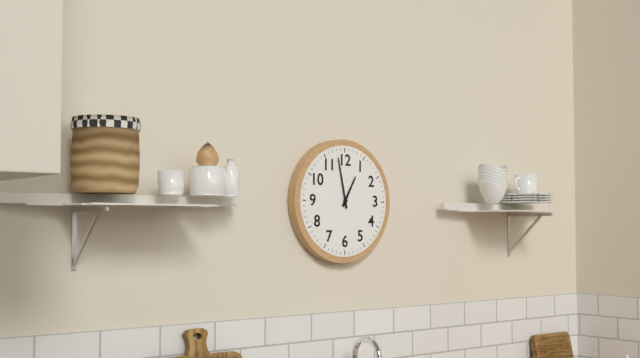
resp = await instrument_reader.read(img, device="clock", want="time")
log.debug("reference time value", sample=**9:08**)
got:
**12:58**
